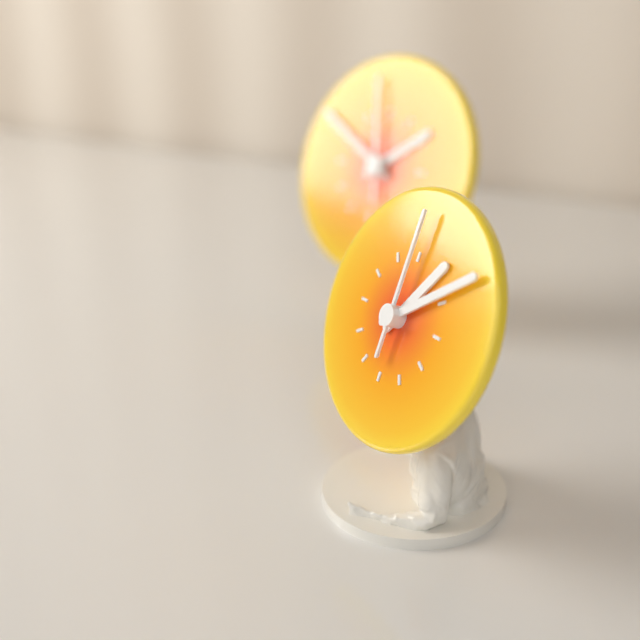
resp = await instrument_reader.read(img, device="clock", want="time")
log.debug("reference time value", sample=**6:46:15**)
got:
**1:09:00**
